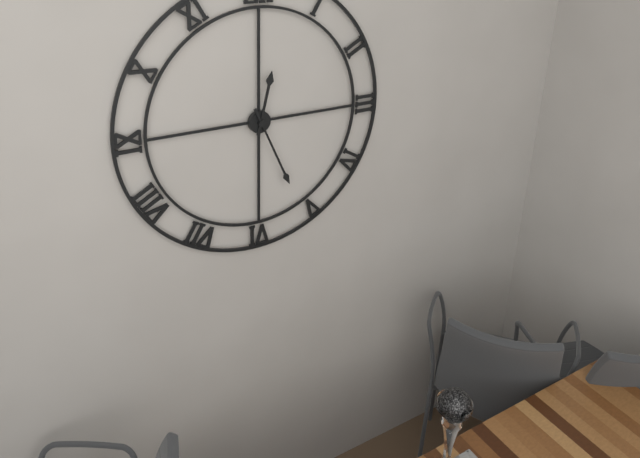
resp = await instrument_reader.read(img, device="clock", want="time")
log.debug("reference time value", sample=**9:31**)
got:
**12:26**
